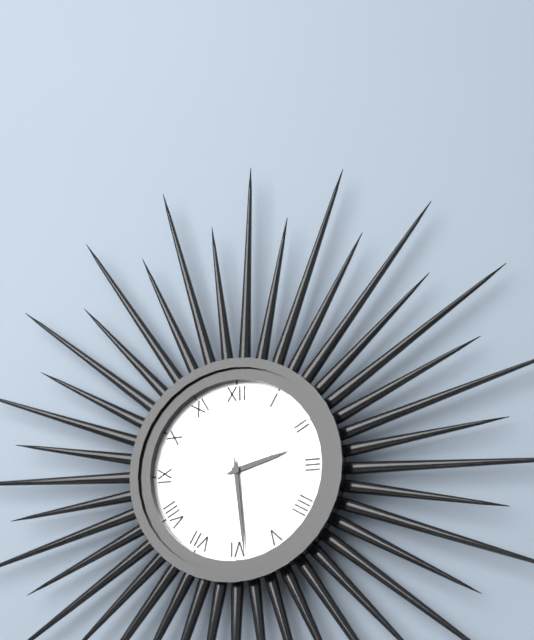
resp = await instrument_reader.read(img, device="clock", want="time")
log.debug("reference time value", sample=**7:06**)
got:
**2:29**
